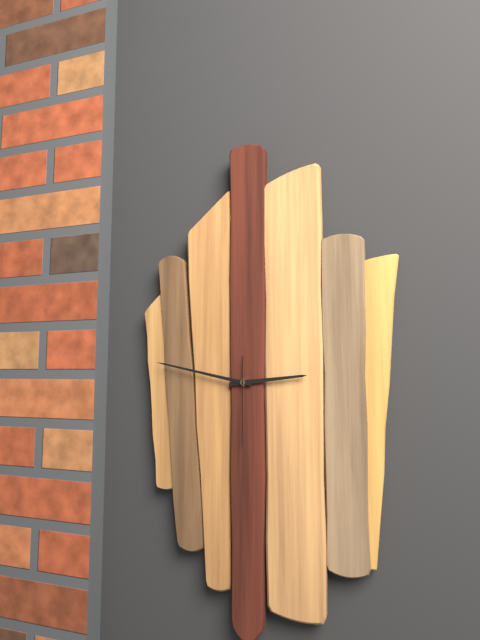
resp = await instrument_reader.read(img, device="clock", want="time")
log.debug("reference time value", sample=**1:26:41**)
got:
**2:47:30**
